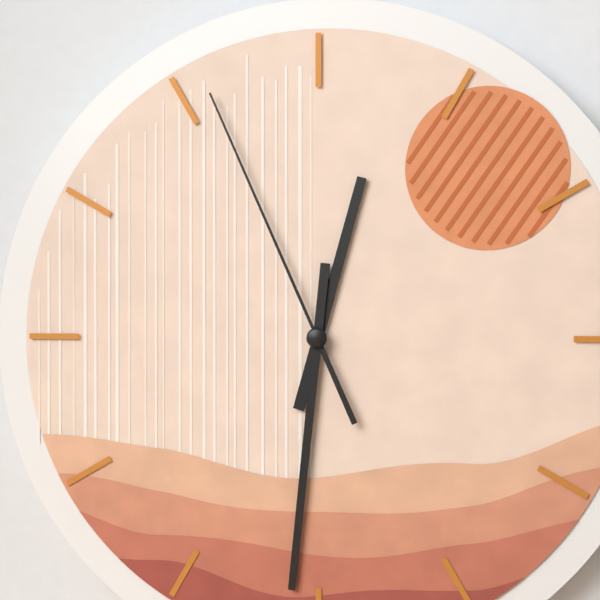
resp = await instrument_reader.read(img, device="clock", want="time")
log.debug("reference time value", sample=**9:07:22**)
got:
**12:31:56**
